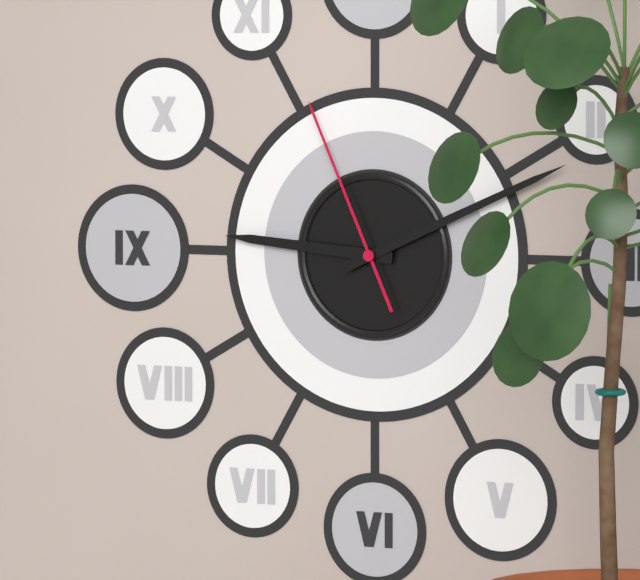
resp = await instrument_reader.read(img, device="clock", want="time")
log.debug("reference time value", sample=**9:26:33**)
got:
**9:11:56**
